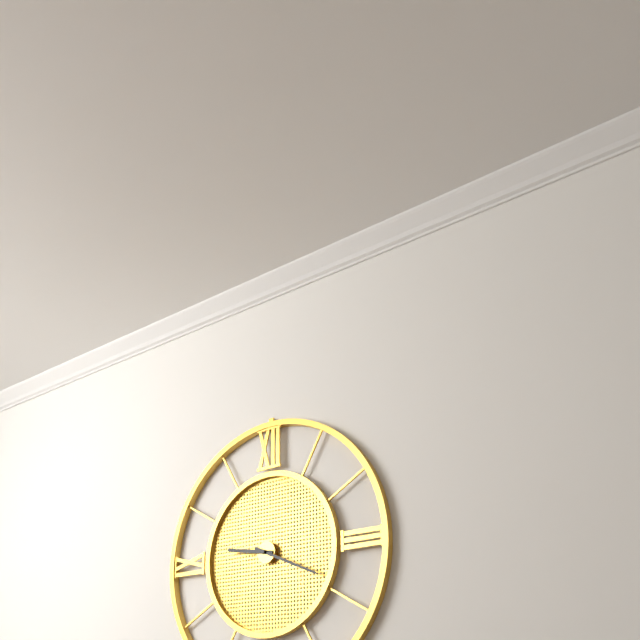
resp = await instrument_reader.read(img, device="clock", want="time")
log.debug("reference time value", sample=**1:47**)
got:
**9:19**
